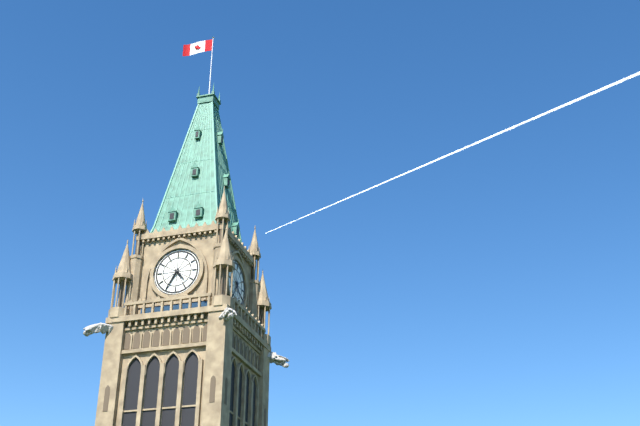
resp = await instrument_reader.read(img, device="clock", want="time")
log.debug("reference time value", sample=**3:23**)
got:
**4:35**
